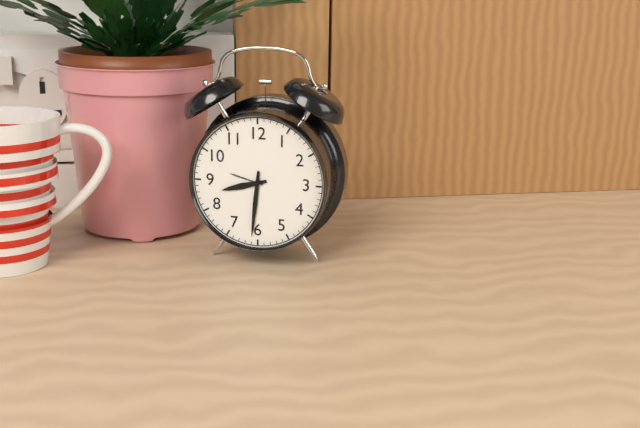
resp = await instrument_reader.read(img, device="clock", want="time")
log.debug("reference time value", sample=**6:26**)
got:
**8:31**
